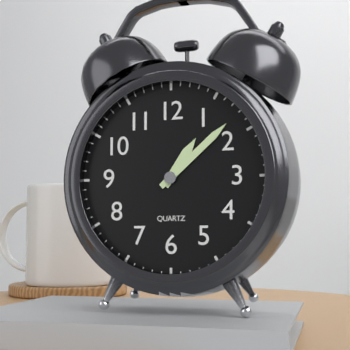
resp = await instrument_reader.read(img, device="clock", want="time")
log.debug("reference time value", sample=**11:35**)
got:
**1:08**
